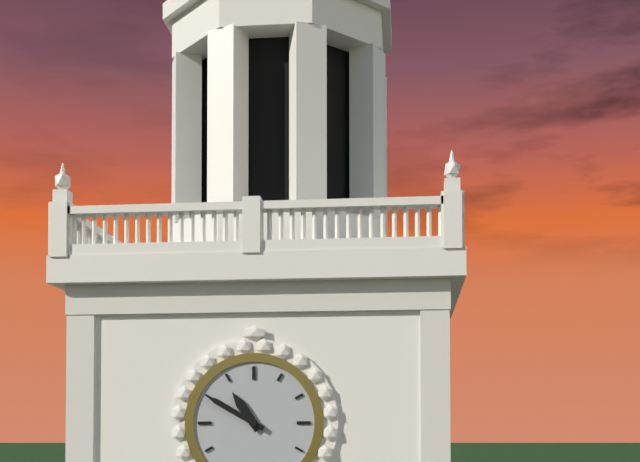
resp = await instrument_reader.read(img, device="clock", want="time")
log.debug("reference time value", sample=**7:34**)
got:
**10:50**
